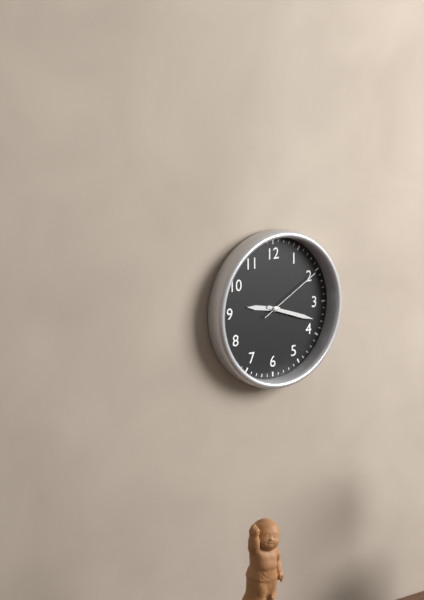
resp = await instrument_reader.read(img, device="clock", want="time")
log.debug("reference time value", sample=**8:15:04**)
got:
**9:18:10**
